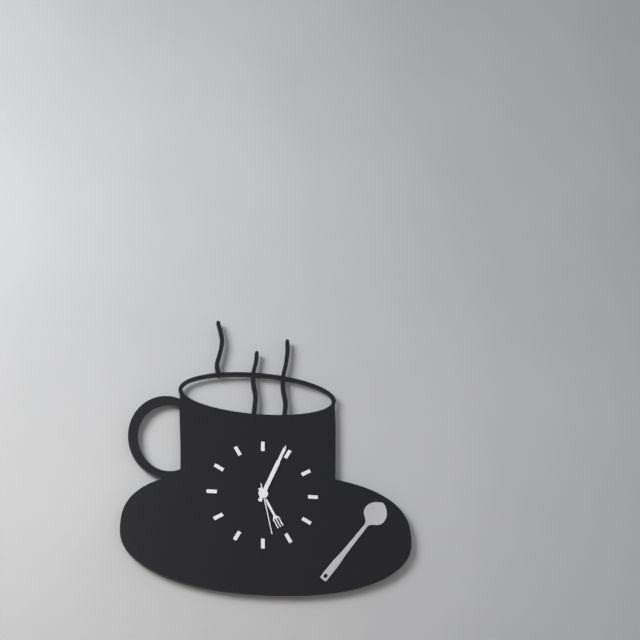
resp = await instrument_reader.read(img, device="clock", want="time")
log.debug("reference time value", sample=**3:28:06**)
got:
**5:04:28**
